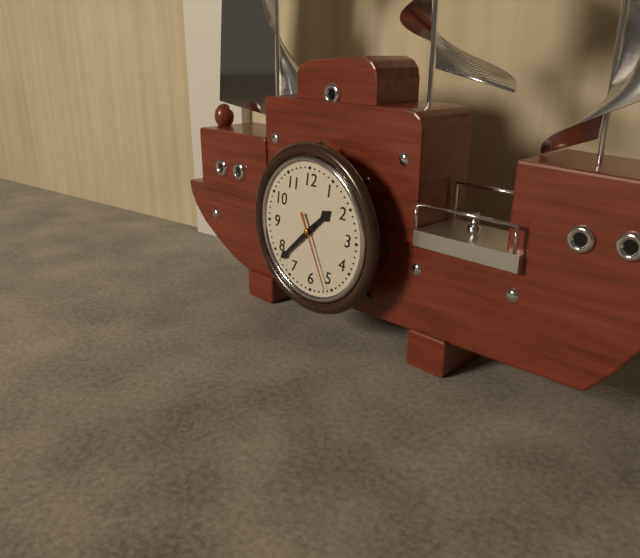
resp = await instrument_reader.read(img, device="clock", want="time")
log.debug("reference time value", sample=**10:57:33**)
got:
**1:38:26**
